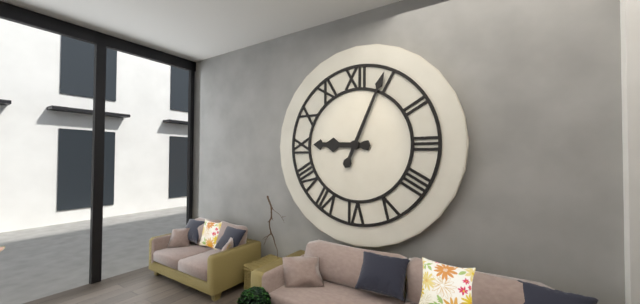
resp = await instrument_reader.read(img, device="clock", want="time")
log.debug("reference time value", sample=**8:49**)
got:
**9:04**
